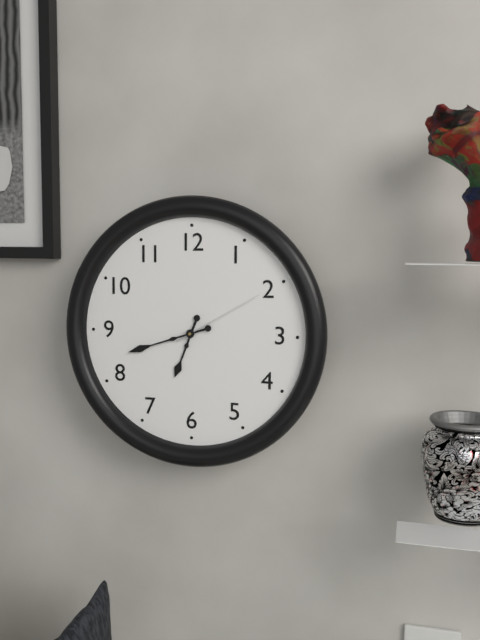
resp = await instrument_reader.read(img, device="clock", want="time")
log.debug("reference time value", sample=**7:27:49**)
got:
**6:42:10**
